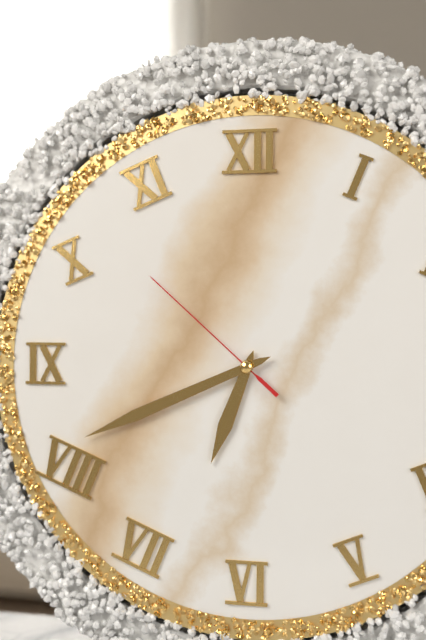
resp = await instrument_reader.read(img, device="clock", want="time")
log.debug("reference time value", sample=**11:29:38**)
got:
**6:41:52**
